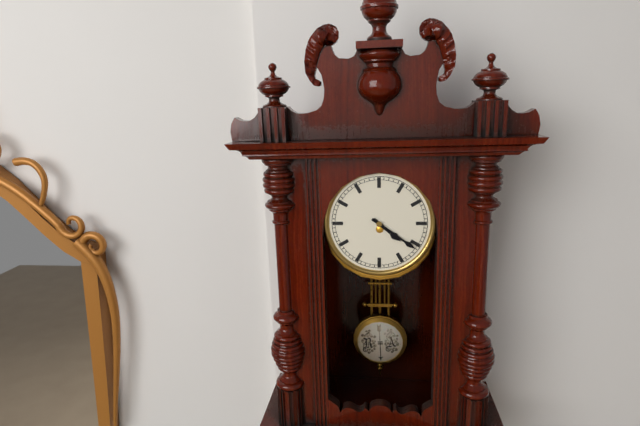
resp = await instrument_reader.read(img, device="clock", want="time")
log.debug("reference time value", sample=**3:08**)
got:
**4:21**
